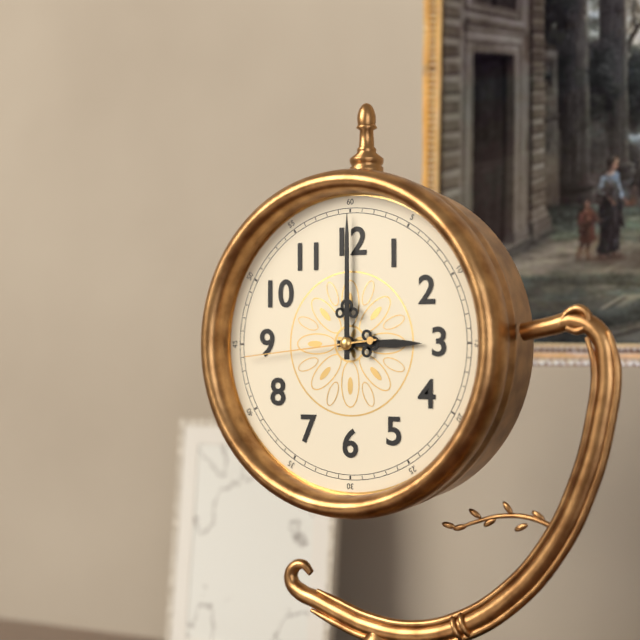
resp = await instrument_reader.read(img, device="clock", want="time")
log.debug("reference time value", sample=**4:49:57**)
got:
**3:00:44**
